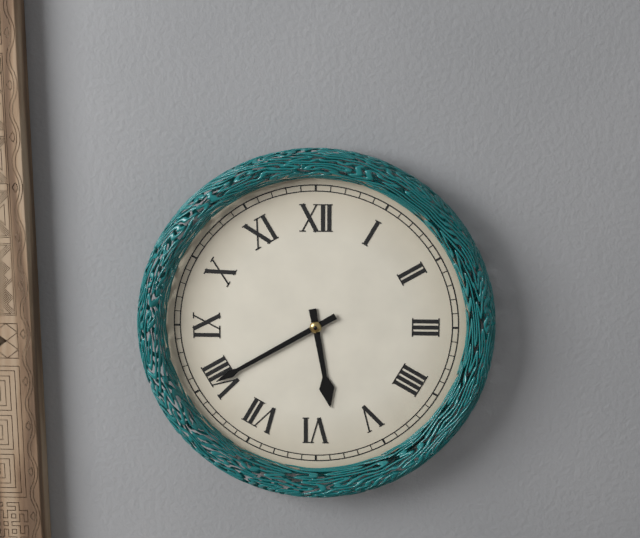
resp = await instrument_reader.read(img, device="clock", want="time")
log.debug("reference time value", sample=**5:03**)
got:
**5:40**
